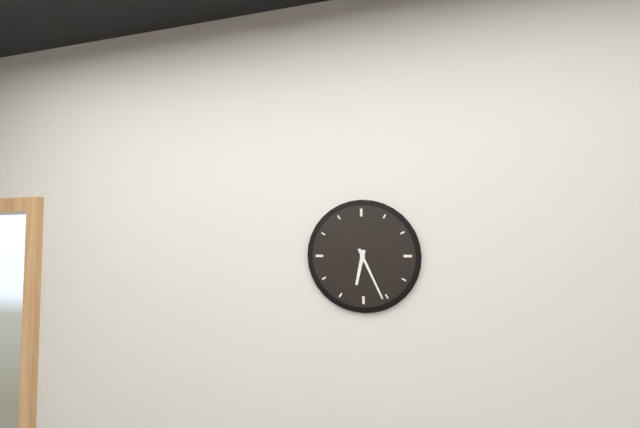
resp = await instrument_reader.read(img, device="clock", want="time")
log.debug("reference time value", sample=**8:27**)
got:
**6:26**
